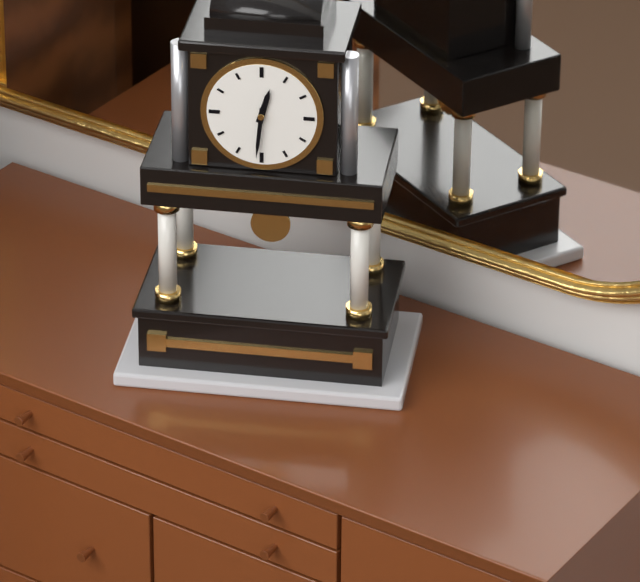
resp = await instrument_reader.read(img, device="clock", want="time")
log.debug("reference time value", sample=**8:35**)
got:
**12:31**
